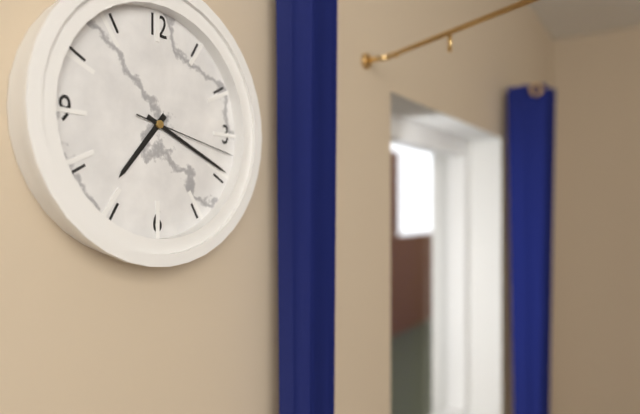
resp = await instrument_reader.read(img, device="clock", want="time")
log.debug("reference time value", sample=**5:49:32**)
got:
**7:19:17**
